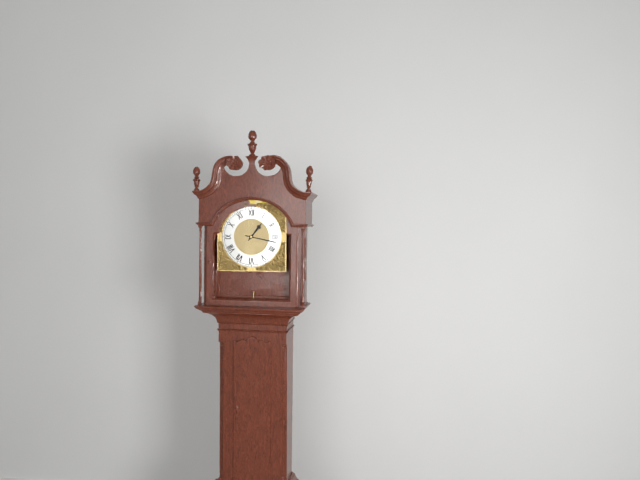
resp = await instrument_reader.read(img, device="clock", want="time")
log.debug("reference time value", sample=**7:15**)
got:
**1:17**
